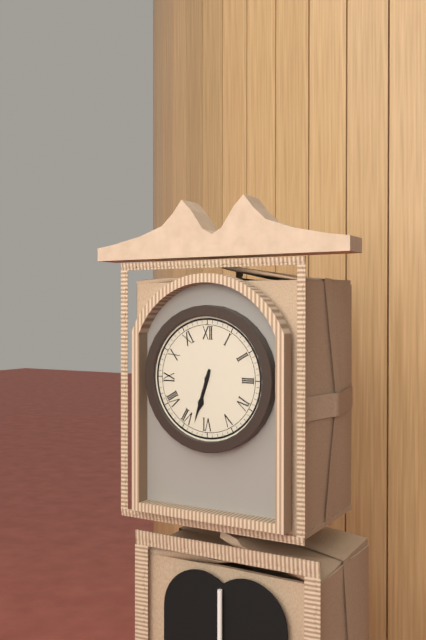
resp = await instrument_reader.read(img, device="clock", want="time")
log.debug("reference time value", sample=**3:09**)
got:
**6:33**
